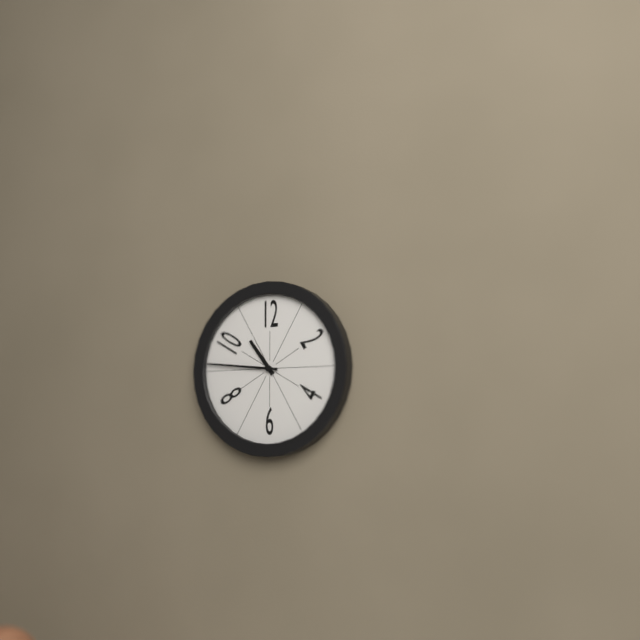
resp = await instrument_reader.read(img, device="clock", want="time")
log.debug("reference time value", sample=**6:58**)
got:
**10:46**
